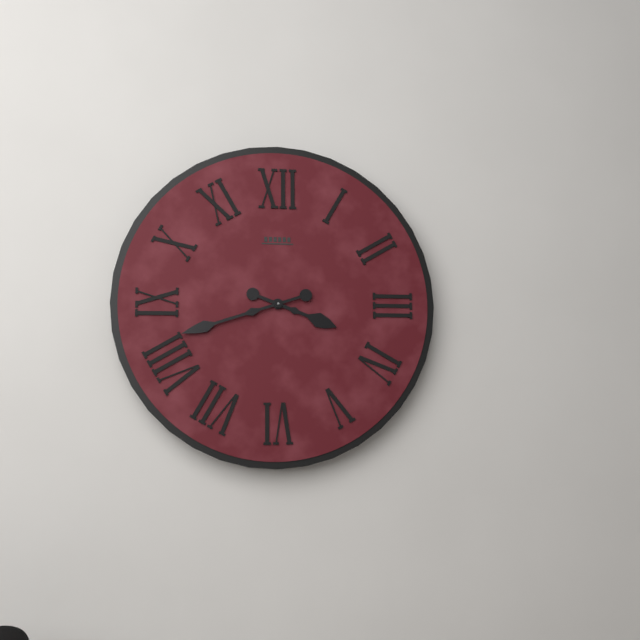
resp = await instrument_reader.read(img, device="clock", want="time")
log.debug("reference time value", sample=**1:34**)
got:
**3:42**
